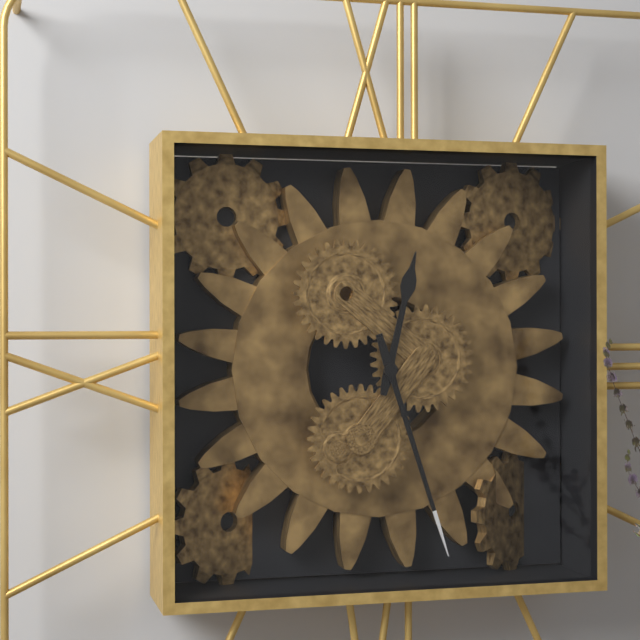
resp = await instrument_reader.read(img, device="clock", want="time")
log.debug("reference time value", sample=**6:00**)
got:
**12:27**
